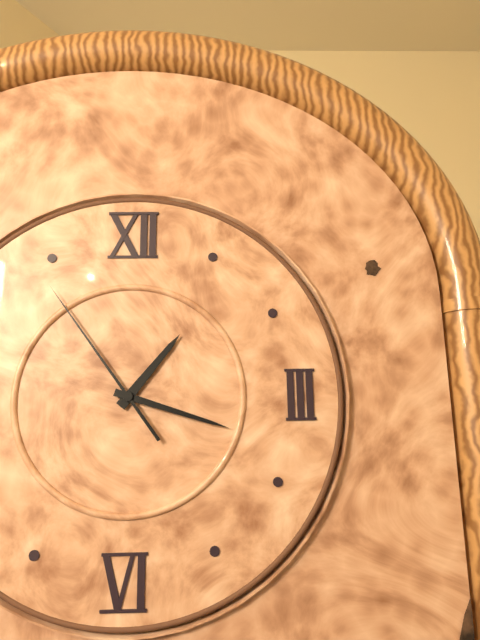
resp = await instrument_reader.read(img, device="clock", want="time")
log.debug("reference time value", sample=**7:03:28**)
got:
**1:18:54**
